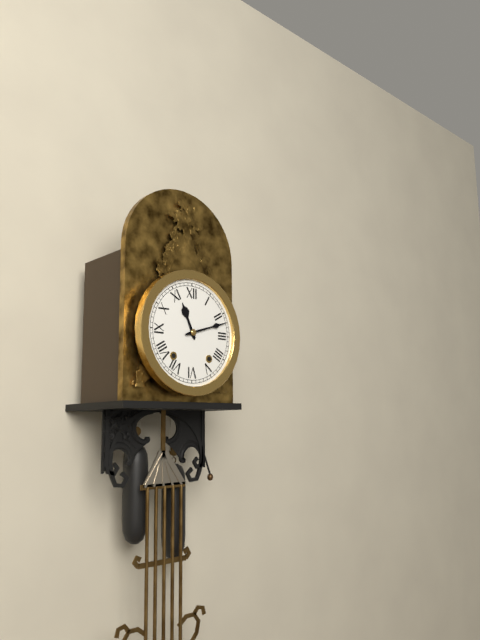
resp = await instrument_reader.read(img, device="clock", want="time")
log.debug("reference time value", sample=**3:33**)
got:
**11:12**
